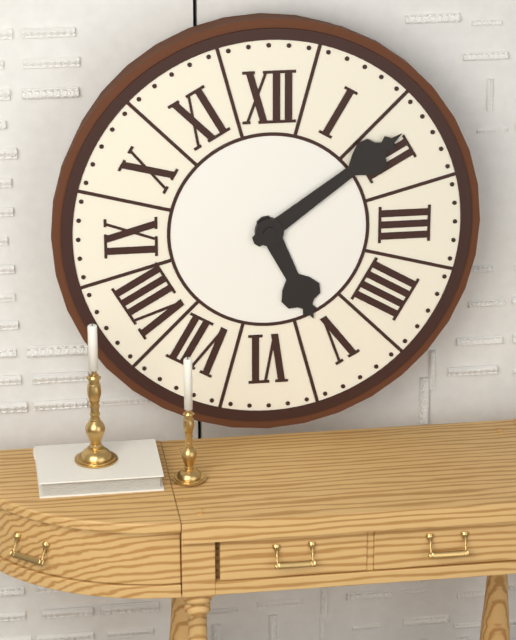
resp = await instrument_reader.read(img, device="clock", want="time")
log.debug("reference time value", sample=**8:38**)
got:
**5:09**
